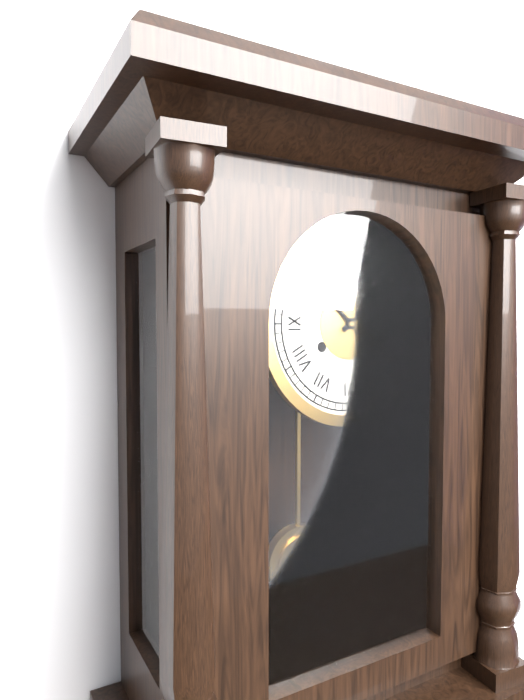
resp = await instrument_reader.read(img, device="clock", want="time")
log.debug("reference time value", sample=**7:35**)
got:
**1:52**
